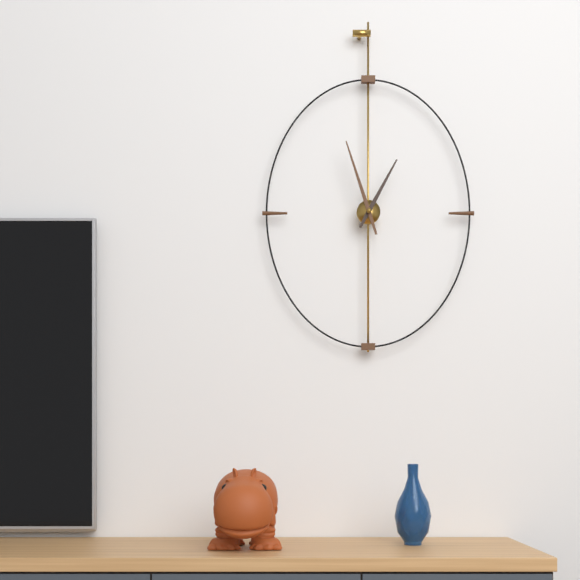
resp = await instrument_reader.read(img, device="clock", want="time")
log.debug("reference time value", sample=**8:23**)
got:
**12:57**
